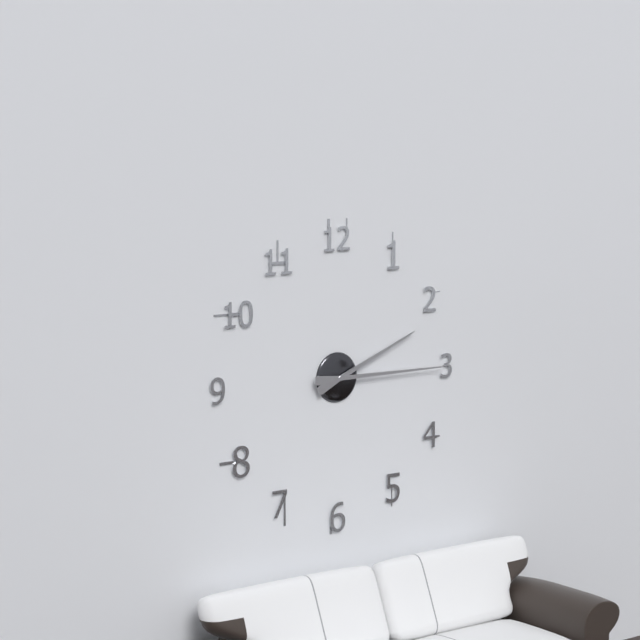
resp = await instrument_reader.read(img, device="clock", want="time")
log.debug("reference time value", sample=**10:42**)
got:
**2:15**
